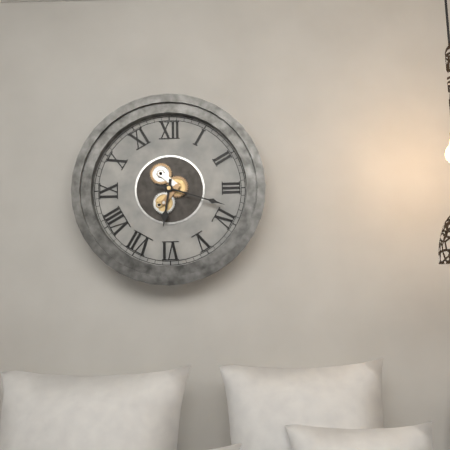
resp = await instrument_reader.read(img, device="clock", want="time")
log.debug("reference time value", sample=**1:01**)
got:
**6:18**
